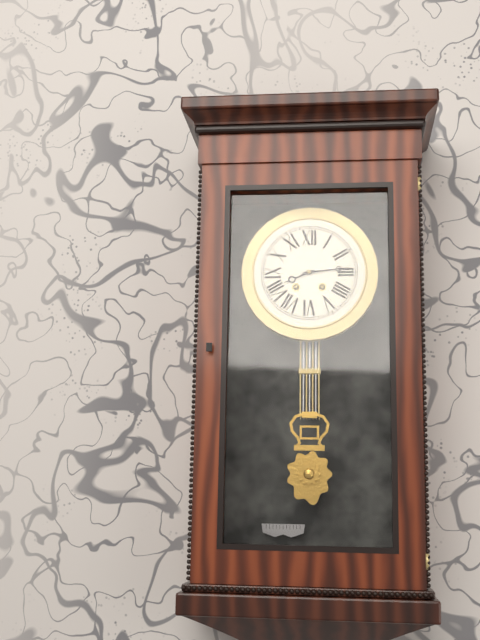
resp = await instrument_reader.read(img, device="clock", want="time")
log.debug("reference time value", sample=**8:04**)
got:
**8:14**
